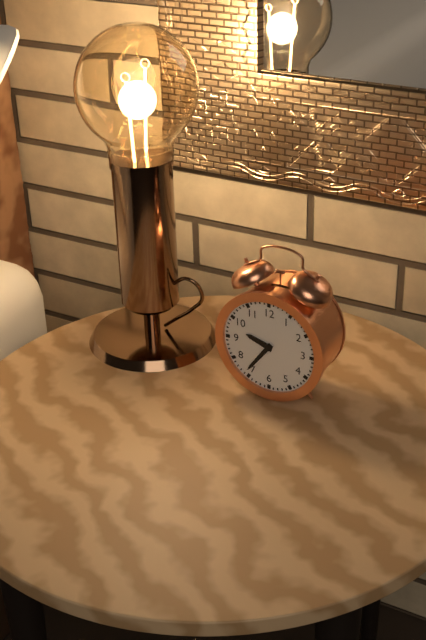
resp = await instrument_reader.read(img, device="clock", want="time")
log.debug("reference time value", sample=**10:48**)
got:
**9:36**
